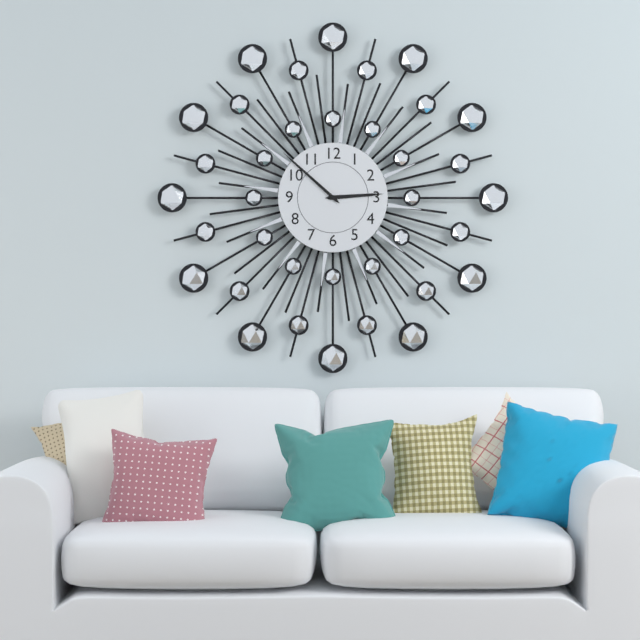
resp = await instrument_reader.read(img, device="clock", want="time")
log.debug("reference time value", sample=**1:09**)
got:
**2:52**
